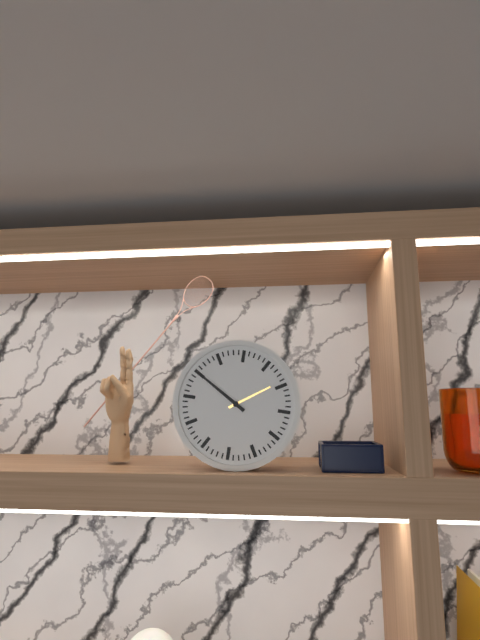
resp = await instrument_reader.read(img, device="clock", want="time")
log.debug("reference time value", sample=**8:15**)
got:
**1:50**
